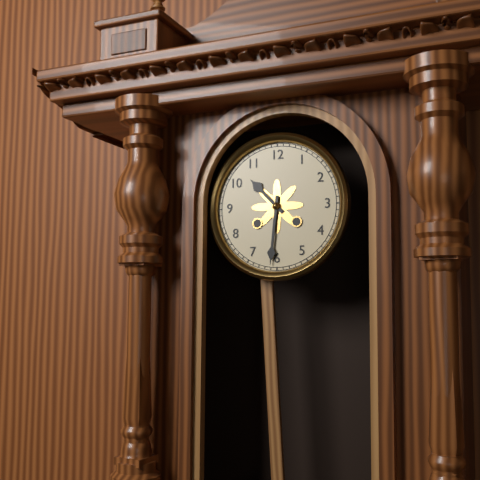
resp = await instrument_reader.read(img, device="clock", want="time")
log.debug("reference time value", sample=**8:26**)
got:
**10:31**
